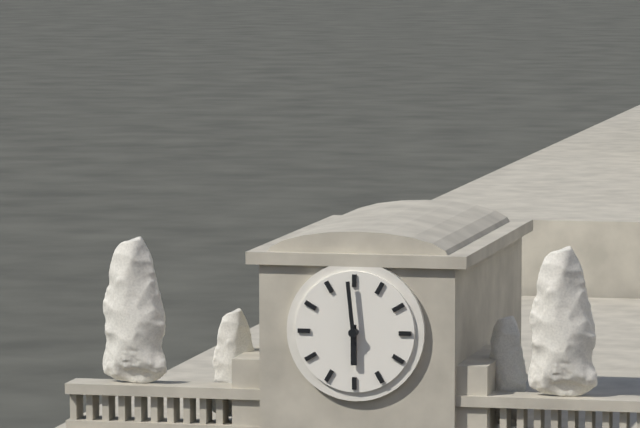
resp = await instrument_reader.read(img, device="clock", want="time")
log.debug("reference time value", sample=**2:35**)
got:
**5:59**
